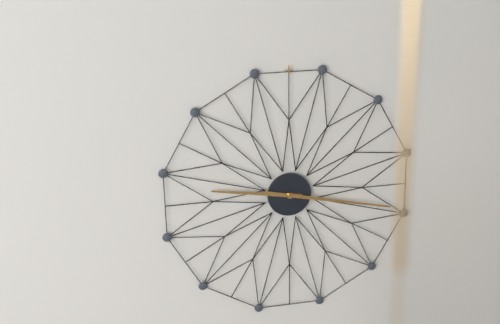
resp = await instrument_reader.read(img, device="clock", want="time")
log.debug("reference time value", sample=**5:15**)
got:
**9:17**
